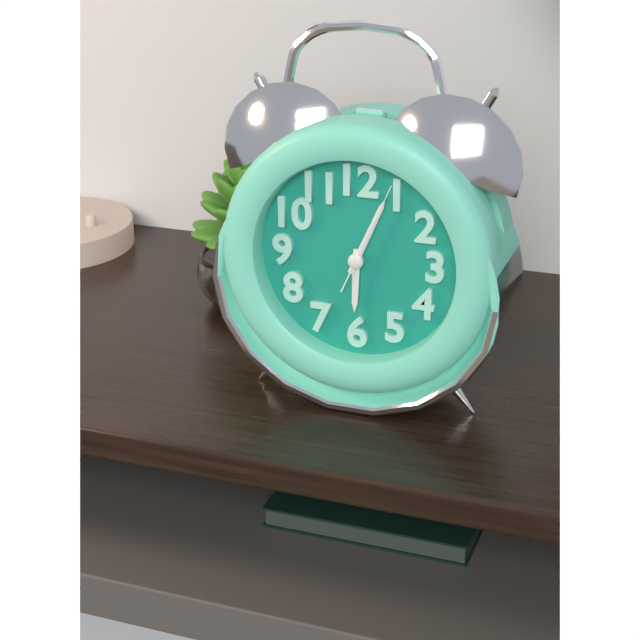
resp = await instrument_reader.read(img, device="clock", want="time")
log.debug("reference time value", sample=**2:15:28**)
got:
**6:04:04**
